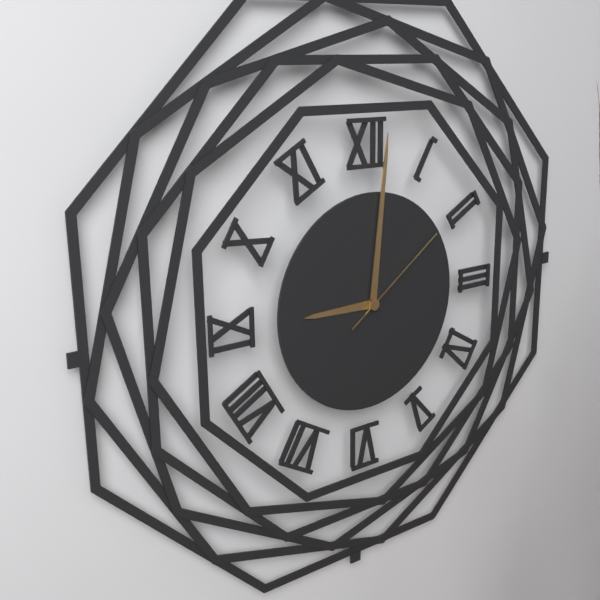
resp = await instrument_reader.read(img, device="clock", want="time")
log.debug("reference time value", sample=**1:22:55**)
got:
**9:01:09**
